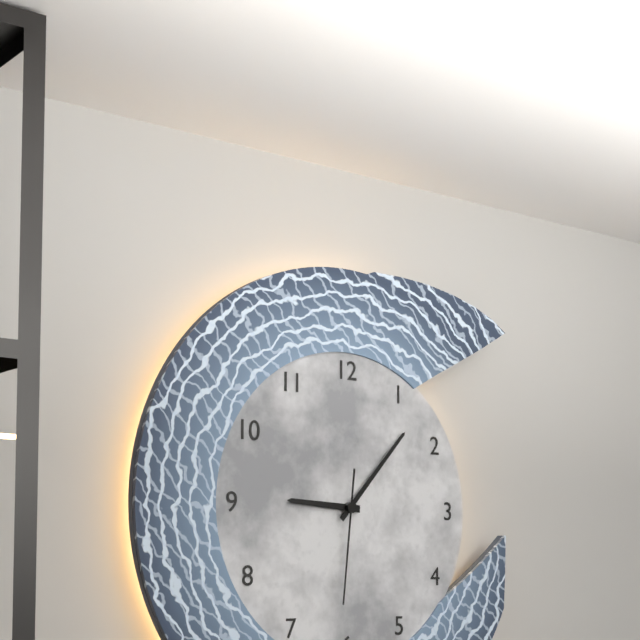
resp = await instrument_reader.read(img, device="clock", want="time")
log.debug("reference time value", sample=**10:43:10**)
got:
**9:07:31**
